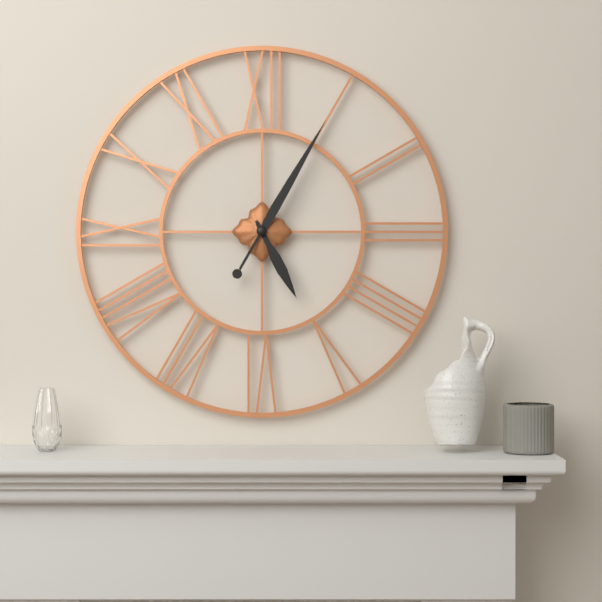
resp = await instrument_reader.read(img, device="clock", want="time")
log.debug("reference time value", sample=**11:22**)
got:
**5:05**
